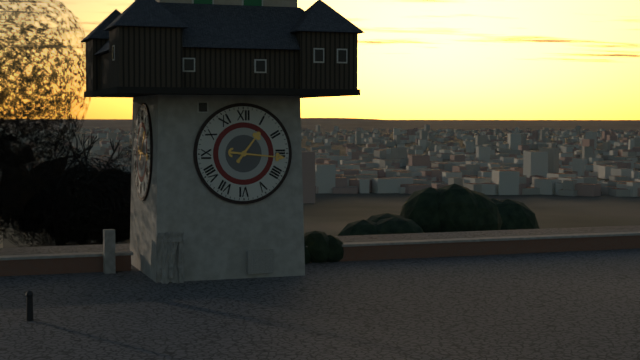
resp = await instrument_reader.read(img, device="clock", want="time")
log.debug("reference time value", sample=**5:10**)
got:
**1:16**
